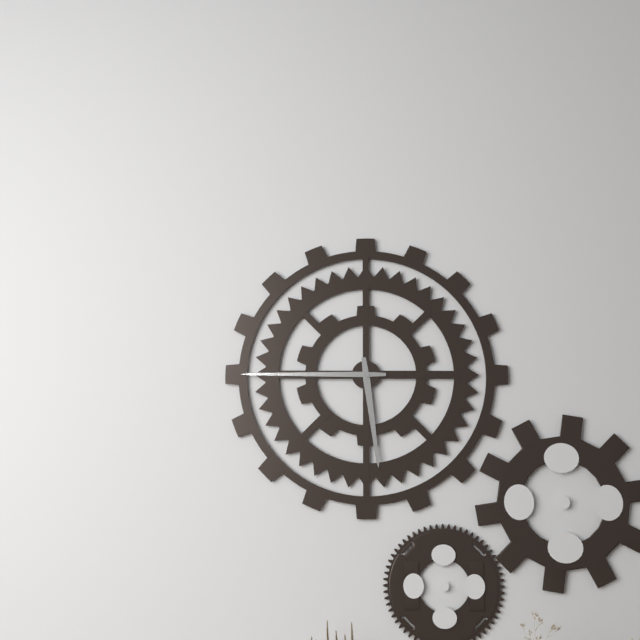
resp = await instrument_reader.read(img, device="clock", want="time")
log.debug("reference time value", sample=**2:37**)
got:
**5:45**
